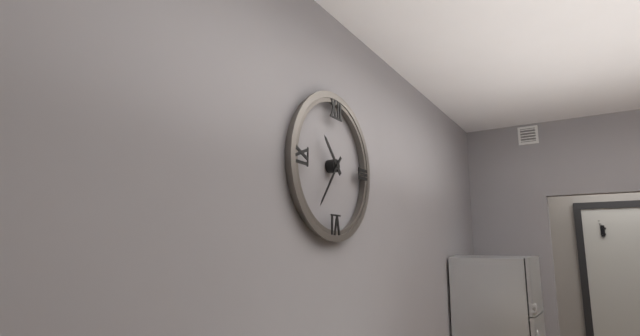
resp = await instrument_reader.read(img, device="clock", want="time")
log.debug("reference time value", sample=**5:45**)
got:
**10:36**
